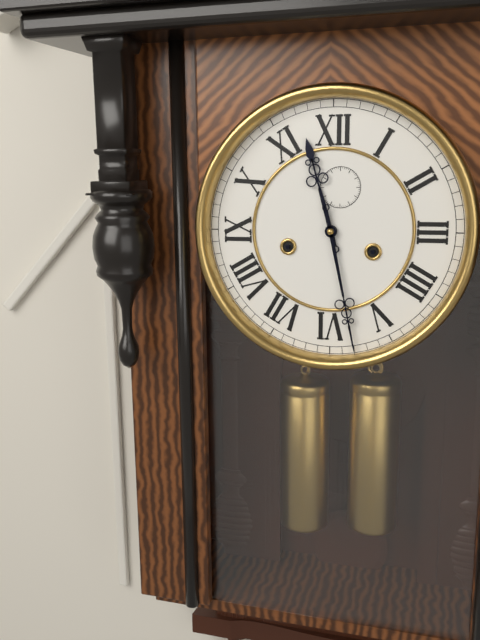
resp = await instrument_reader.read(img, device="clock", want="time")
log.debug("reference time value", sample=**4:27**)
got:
**11:28**
